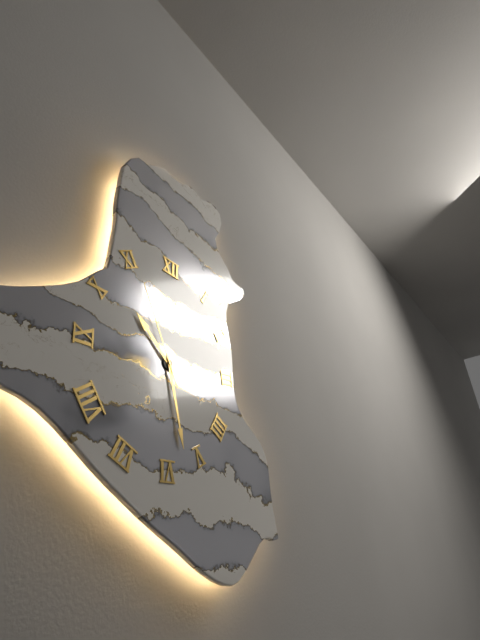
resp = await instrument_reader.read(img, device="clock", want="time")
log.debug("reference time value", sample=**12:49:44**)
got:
**10:28:56**
